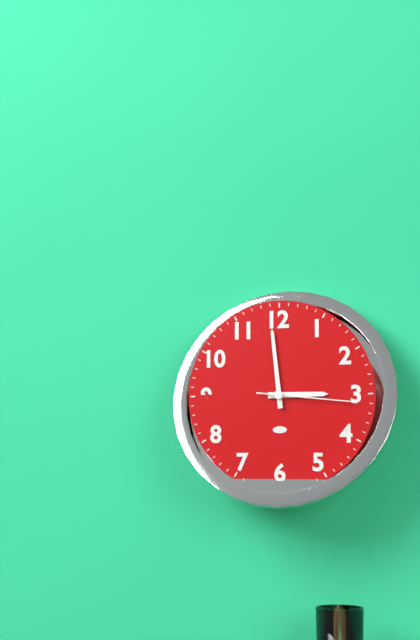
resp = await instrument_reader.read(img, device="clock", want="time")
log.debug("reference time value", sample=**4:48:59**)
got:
**2:59:16**
